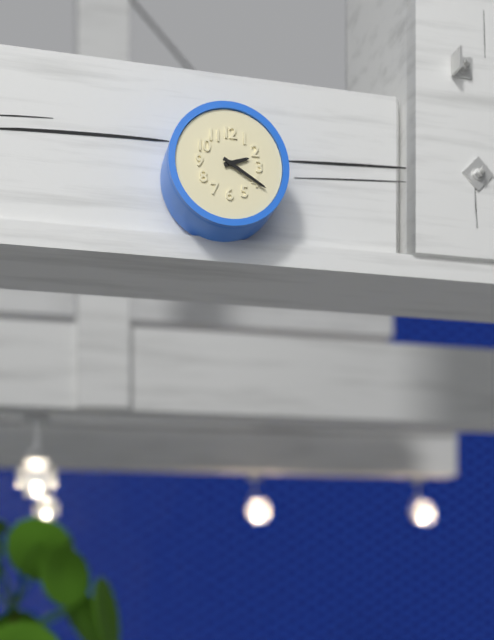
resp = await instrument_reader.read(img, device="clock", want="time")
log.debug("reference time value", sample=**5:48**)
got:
**2:20**
